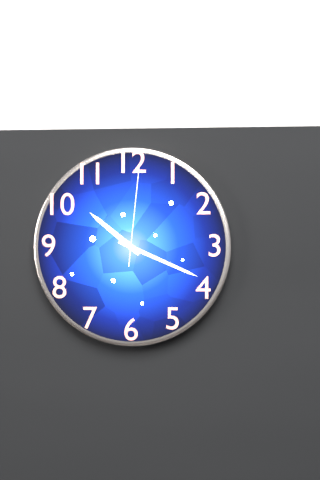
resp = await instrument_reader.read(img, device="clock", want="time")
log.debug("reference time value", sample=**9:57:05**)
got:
**10:19:01**
